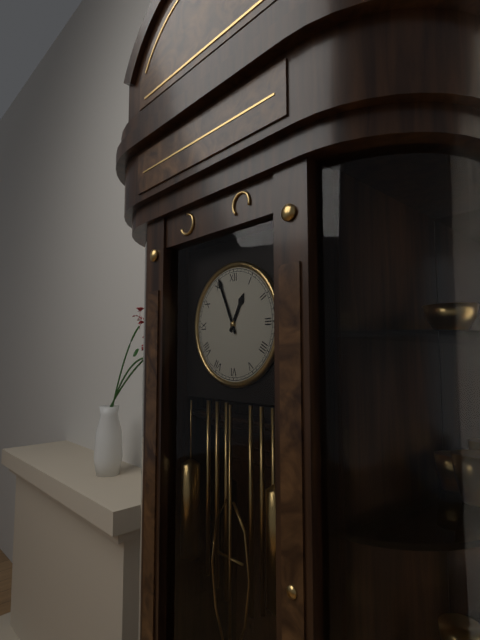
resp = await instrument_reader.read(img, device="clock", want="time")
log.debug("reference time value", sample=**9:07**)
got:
**12:56**
